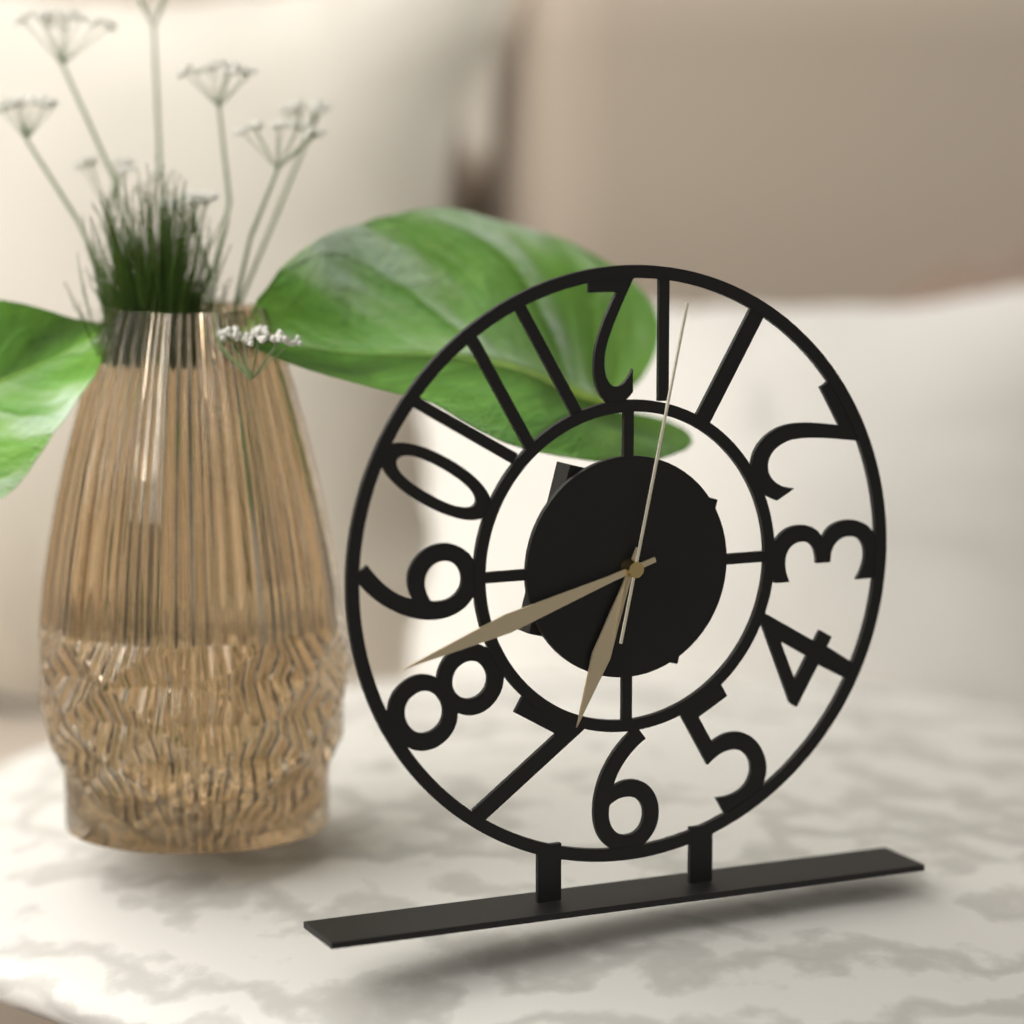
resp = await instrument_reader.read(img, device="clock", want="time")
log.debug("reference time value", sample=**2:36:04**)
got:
**6:42:02**
